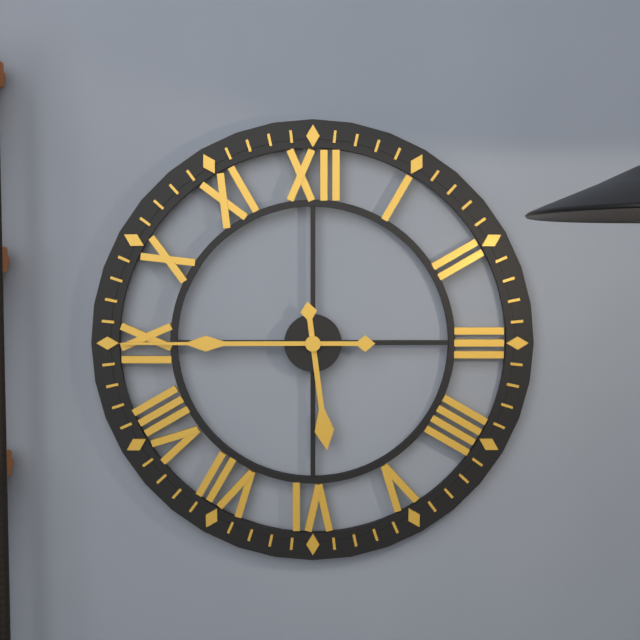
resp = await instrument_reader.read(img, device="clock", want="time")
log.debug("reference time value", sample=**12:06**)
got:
**5:45**
